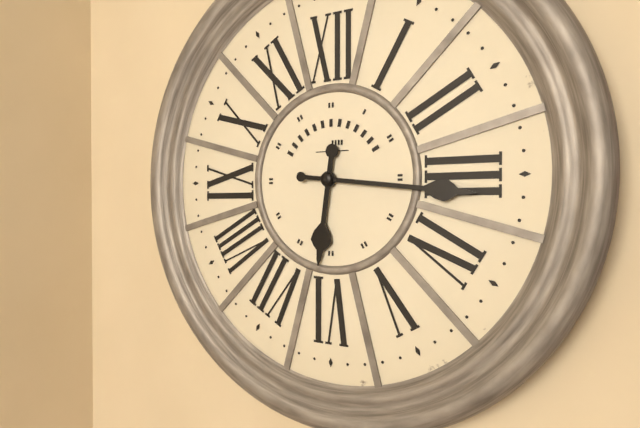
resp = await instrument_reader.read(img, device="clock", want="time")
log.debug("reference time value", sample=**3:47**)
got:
**6:16**
